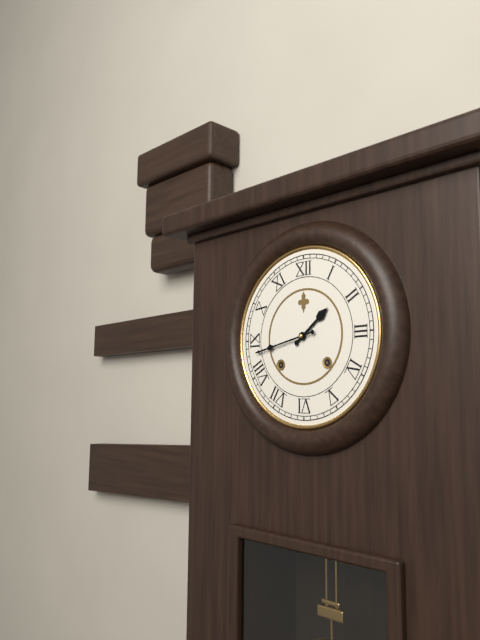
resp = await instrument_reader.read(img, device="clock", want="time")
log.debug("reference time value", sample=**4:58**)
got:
**1:43**
